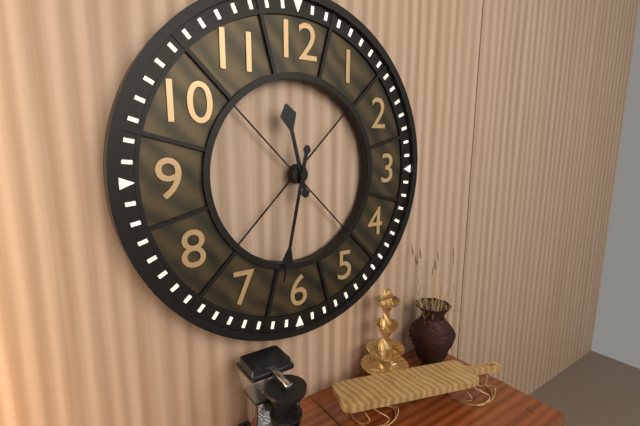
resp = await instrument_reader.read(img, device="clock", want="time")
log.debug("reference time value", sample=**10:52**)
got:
**11:32**
